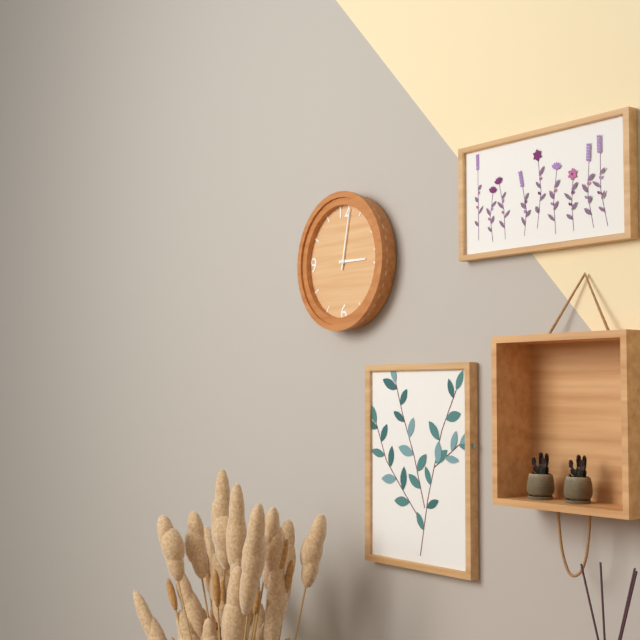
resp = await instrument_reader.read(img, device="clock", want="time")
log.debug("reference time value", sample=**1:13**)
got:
**3:02**
